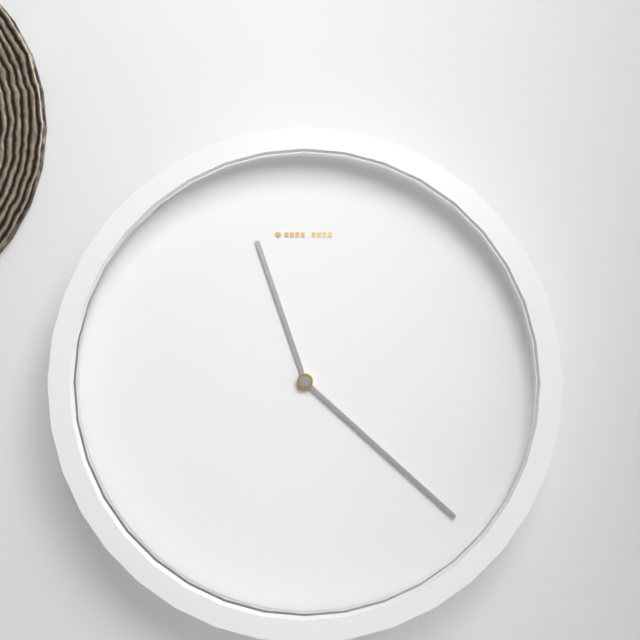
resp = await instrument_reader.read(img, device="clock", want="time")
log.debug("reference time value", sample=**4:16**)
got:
**11:22**
